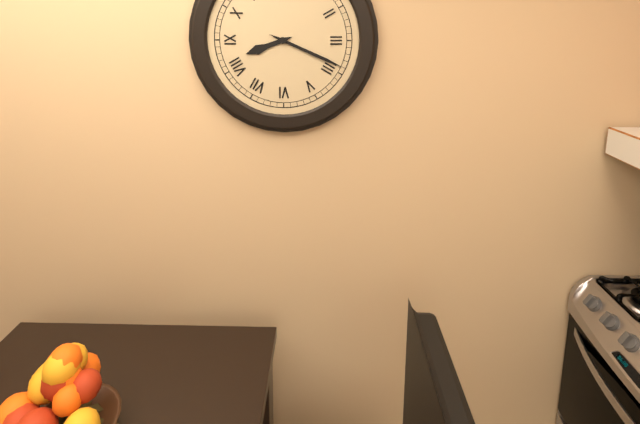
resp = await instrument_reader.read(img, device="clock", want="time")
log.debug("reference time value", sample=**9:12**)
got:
**8:19**
